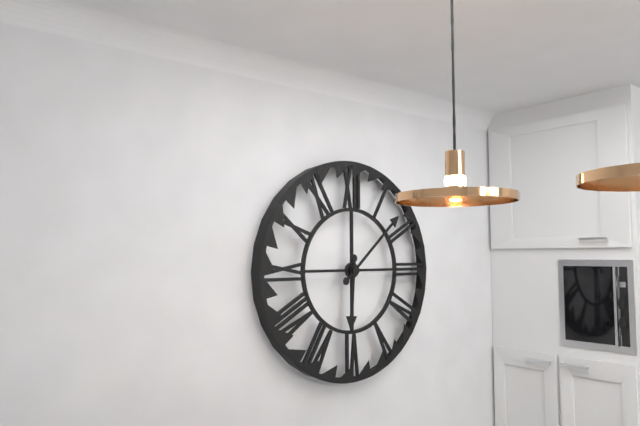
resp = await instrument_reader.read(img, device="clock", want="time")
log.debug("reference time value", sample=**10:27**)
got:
**6:08**
